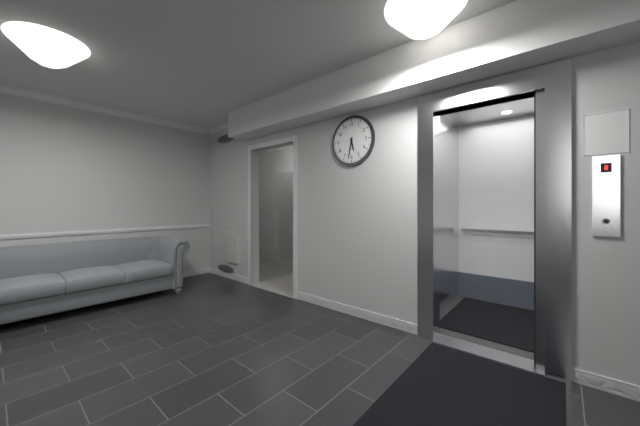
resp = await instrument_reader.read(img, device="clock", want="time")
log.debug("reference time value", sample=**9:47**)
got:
**5:32**
